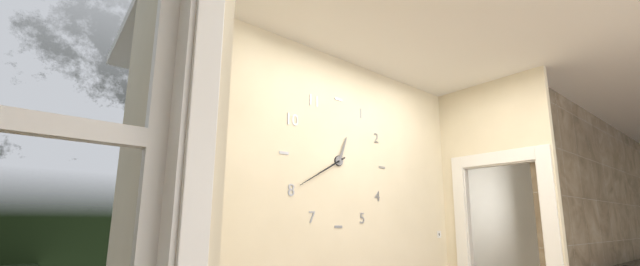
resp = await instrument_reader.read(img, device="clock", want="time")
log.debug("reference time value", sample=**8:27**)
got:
**12:40**
